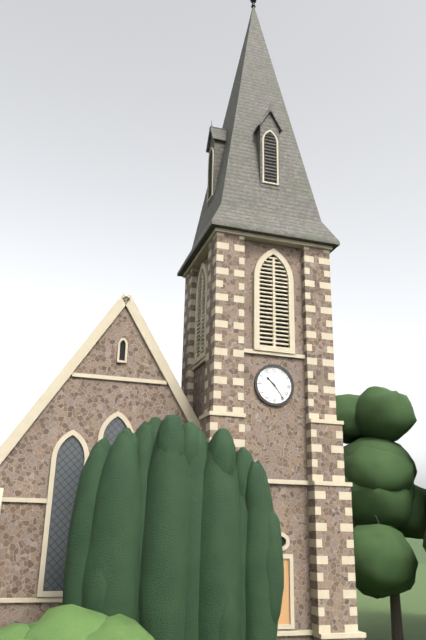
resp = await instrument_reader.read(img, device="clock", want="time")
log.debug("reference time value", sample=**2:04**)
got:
**10:24**
